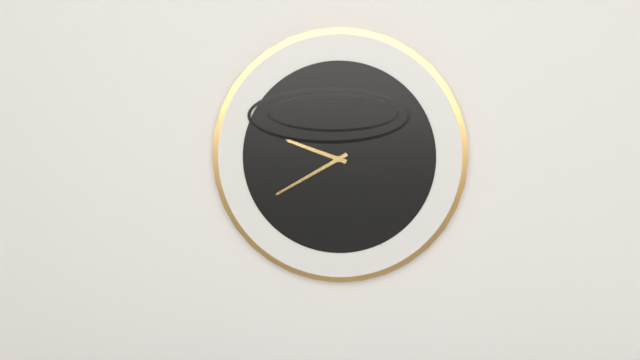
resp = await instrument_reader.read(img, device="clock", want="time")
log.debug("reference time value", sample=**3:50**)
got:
**9:40**
